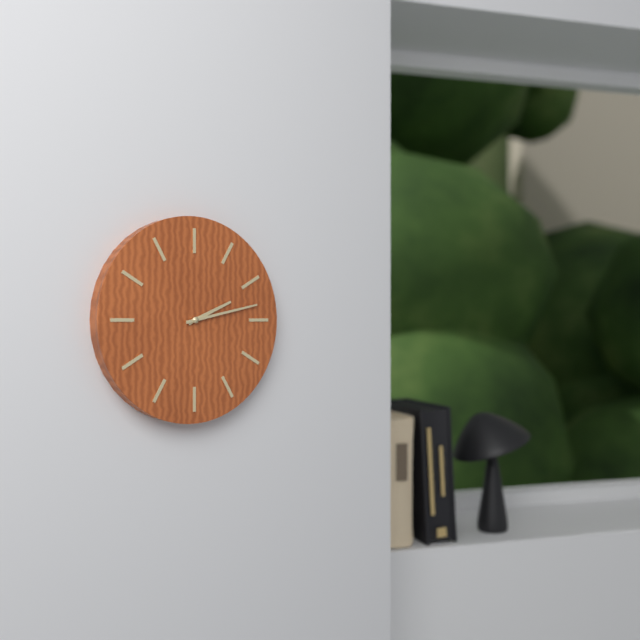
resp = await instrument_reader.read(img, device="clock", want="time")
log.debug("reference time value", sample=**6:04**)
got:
**2:13**
